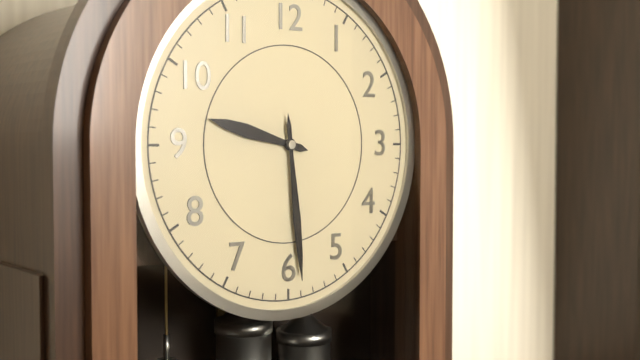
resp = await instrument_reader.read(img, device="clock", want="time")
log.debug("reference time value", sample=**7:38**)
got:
**9:29**
